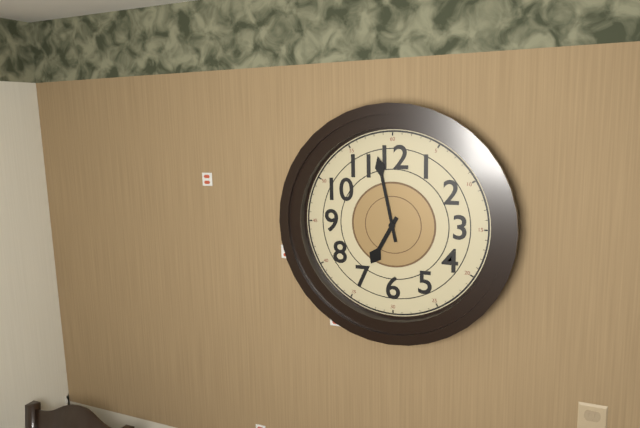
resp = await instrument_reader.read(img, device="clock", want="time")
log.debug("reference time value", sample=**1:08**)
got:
**6:58**
